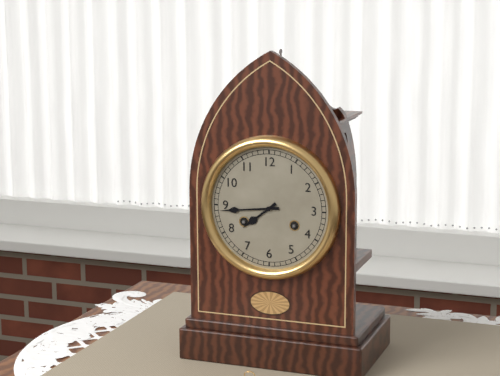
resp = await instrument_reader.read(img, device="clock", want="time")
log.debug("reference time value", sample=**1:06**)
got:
**7:44**
